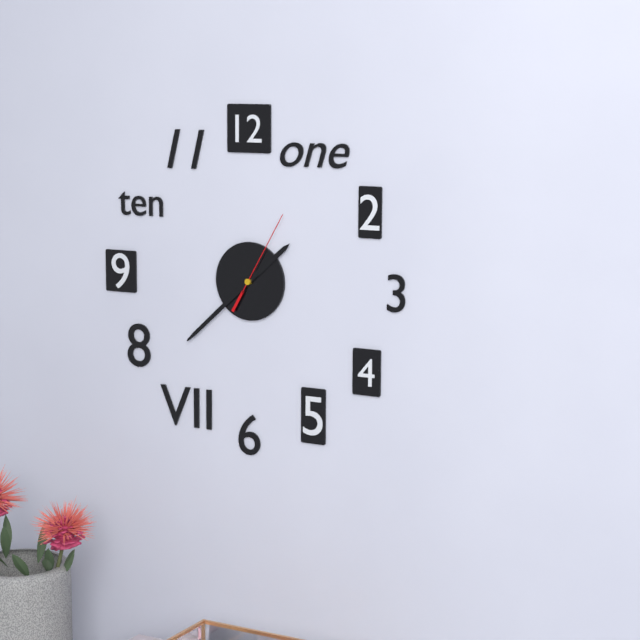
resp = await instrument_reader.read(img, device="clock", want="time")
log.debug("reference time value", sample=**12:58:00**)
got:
**1:38:05**
